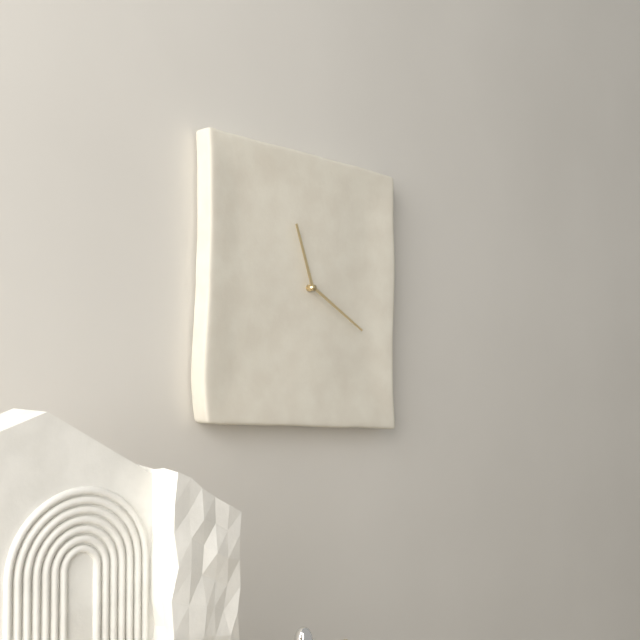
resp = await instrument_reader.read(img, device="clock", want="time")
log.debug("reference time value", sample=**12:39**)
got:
**11:20**
